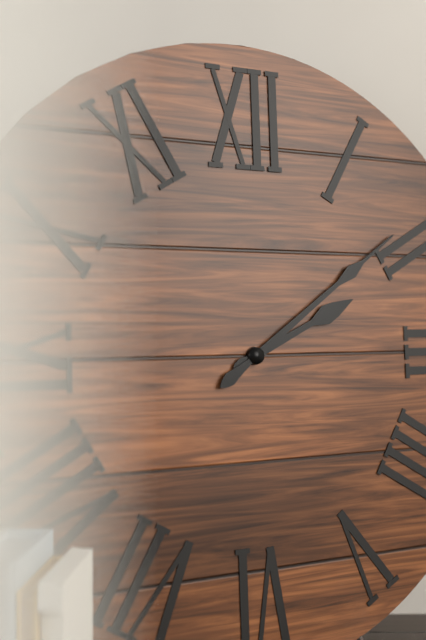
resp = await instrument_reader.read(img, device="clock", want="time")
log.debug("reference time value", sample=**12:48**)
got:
**2:09**
